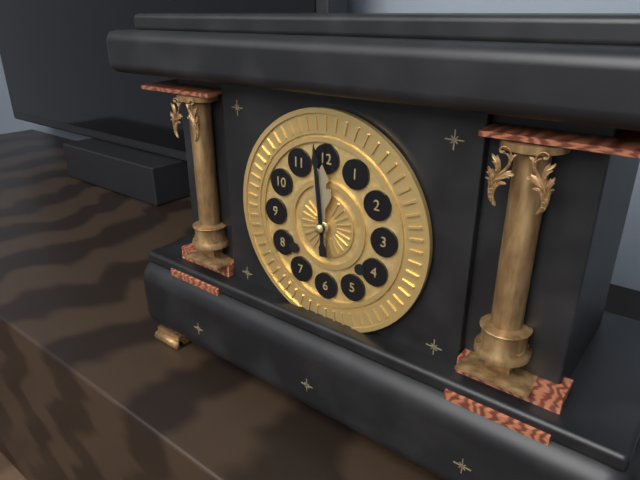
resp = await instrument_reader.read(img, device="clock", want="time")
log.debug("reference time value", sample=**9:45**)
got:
**11:59**
